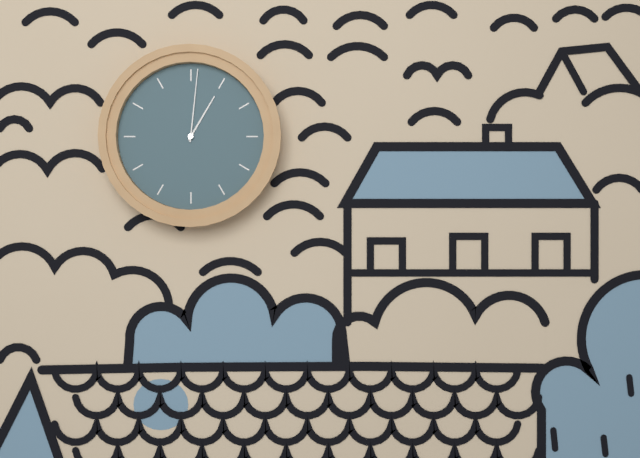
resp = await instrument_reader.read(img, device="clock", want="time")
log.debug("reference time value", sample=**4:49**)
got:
**1:01**
